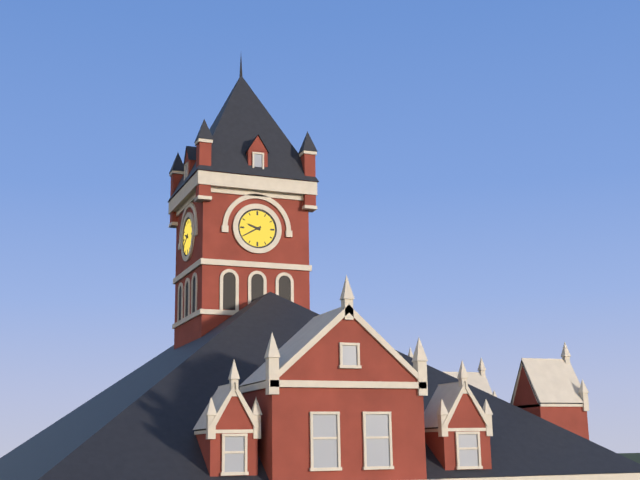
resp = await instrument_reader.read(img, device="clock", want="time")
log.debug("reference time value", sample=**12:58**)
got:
**9:40**
